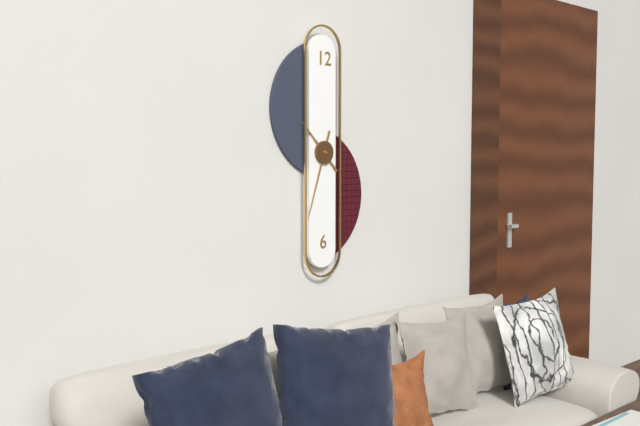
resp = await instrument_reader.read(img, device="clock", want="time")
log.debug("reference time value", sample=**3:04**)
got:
**10:33**
